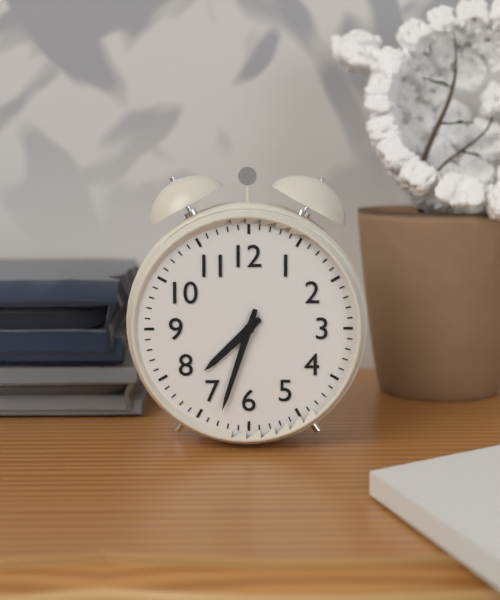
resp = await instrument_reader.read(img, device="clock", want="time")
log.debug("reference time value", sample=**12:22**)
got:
**7:33**
